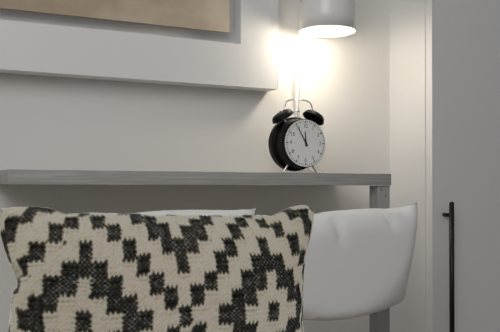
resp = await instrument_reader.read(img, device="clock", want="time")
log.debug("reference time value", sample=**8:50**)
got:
**11:55**
